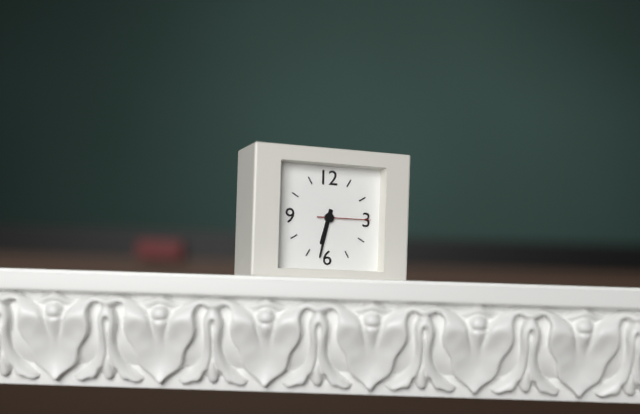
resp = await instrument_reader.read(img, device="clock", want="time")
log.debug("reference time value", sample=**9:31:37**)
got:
**6:32:15**
